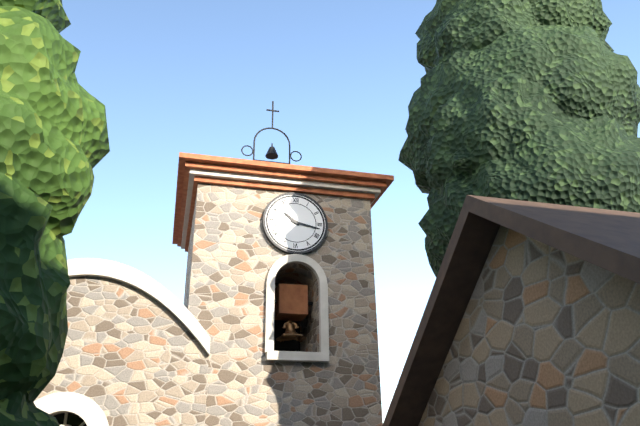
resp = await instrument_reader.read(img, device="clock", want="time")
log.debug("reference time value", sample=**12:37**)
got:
**10:17**
